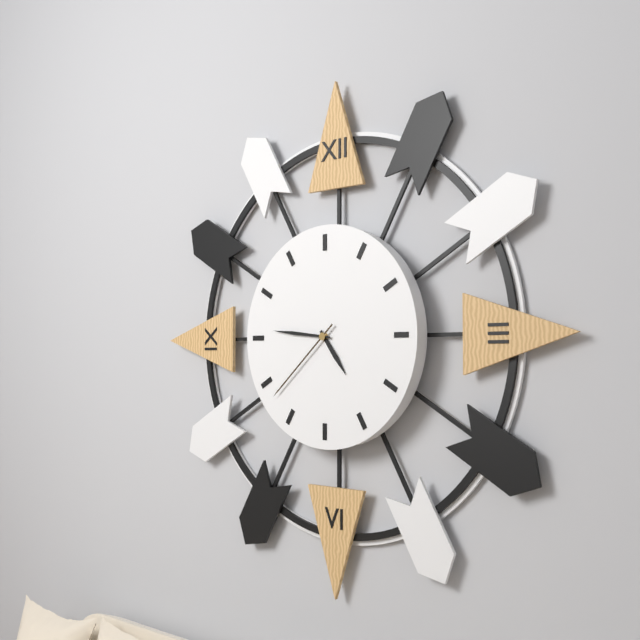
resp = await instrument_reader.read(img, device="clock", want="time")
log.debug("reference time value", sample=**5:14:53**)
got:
**4:46:38**
